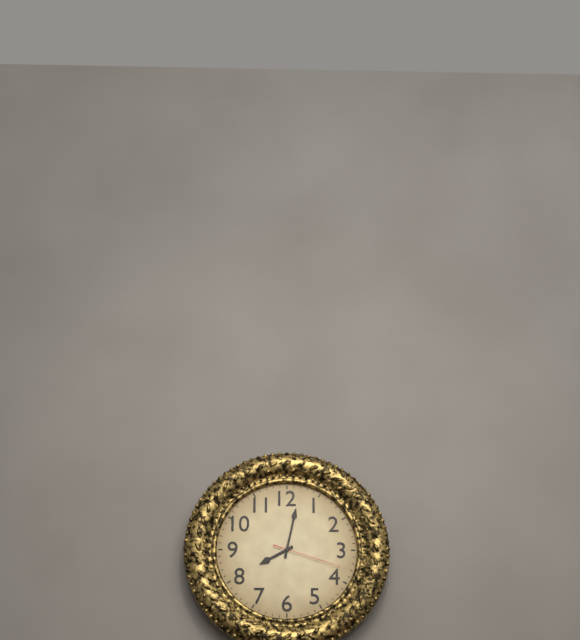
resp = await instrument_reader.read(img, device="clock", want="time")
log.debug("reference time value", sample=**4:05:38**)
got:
**8:02:18**
